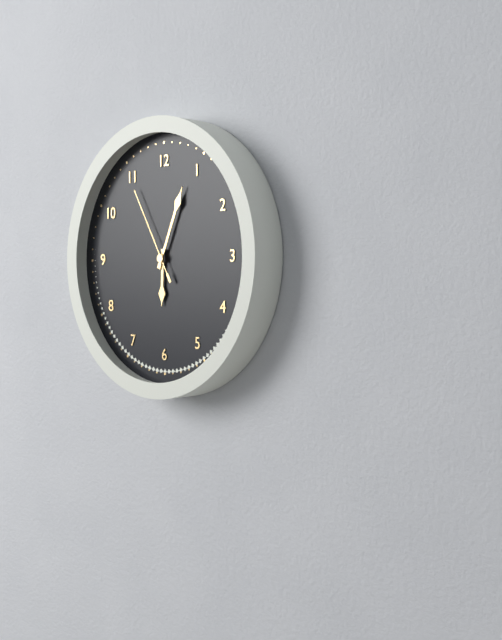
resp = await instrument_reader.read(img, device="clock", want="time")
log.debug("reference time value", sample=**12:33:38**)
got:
**6:04:55**
